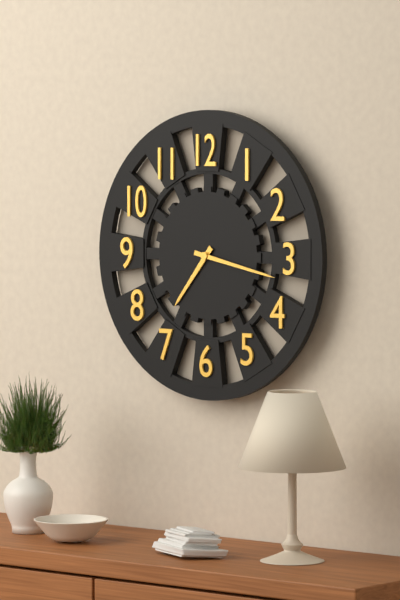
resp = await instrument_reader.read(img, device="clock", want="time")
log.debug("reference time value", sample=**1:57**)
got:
**7:17**
